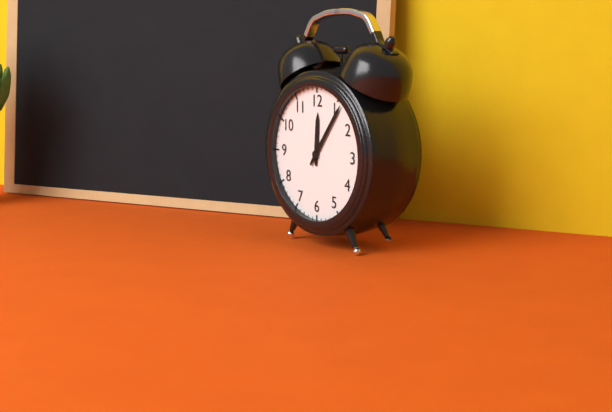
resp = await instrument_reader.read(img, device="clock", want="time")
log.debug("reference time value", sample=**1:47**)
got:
**12:06**
